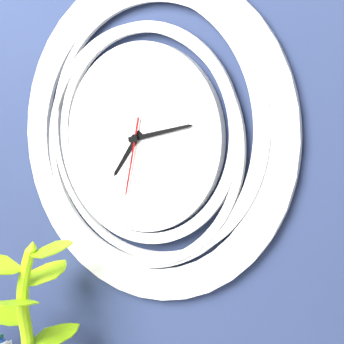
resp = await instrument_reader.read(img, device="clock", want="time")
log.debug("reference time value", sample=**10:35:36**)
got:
**7:13:32**
